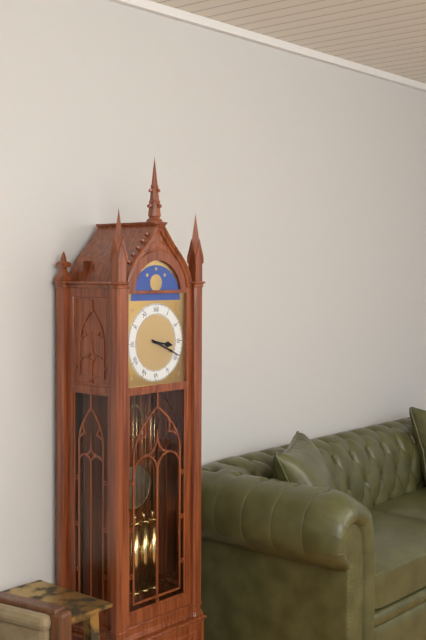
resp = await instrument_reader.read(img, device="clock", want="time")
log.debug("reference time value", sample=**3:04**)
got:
**3:19**
